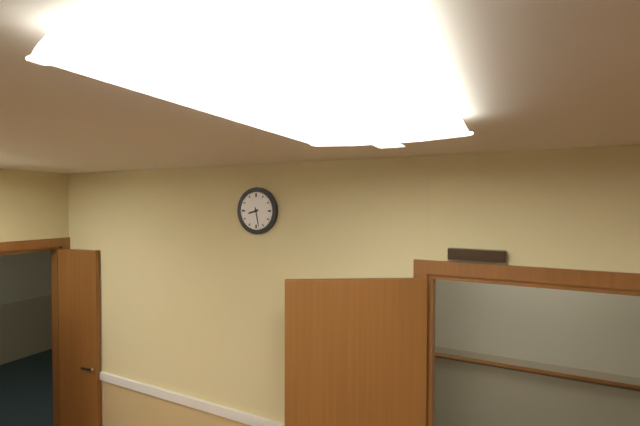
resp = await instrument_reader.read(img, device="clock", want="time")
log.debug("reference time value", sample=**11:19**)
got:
**8:28**
